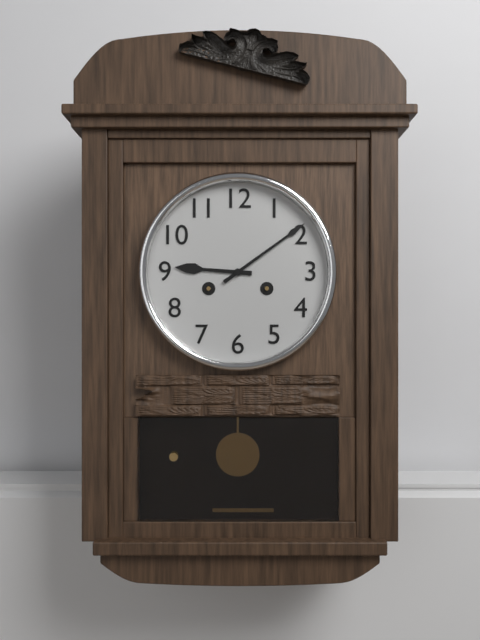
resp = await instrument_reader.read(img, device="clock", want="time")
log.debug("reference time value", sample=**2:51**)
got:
**9:09**
